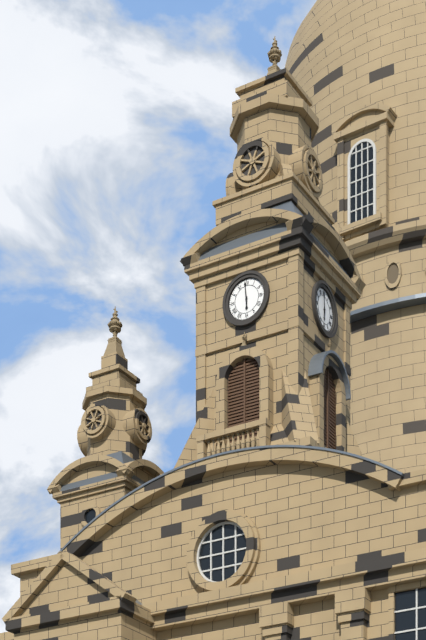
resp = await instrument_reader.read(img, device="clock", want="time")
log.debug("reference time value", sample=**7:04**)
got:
**5:59**
